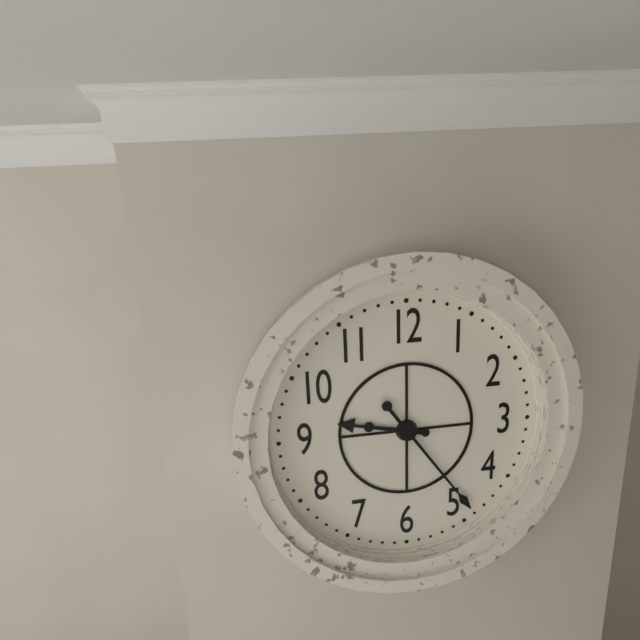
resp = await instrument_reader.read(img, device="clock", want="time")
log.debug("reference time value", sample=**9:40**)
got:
**9:24**
